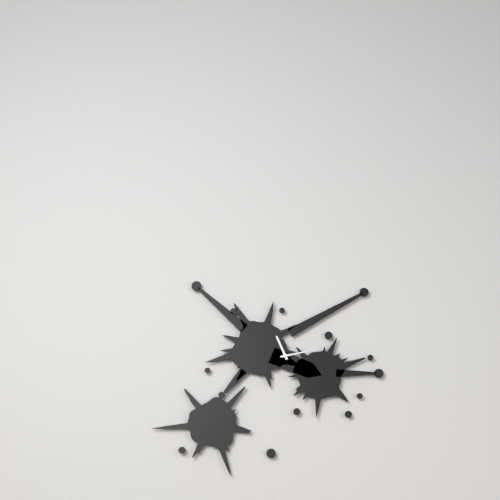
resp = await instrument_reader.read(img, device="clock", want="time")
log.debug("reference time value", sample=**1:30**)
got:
**11:13**
